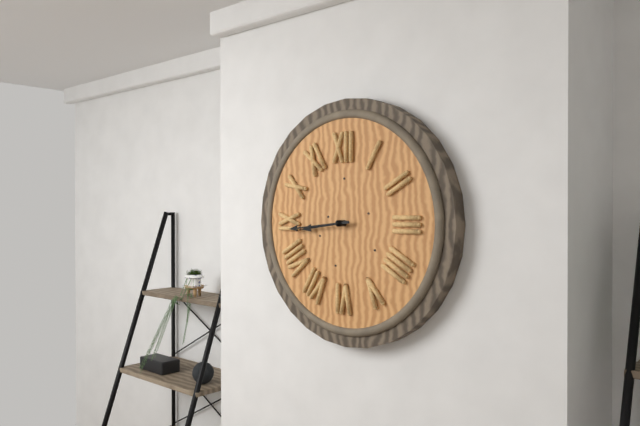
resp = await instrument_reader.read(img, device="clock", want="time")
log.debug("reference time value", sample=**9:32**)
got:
**8:44**
